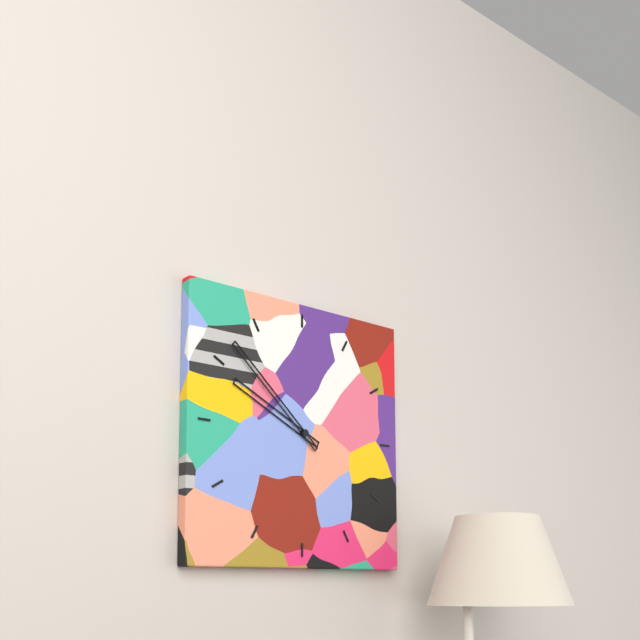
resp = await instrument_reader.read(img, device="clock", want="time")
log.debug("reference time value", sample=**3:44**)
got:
**9:52**
